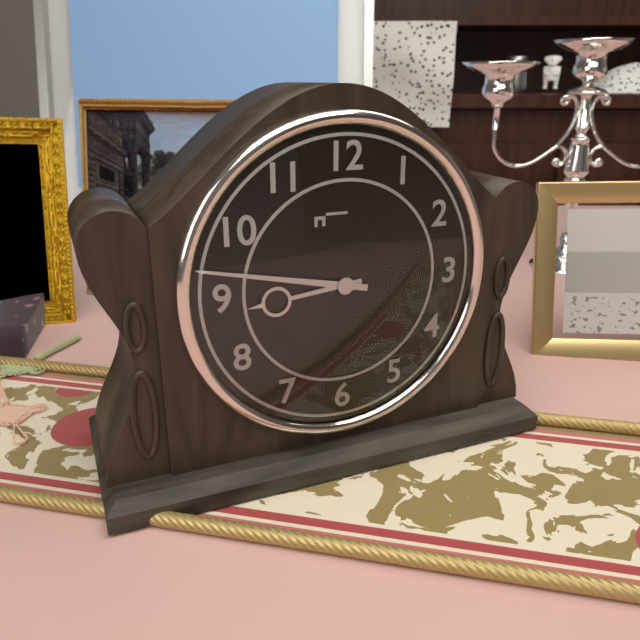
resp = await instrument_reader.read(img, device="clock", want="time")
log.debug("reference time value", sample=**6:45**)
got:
**8:47**
